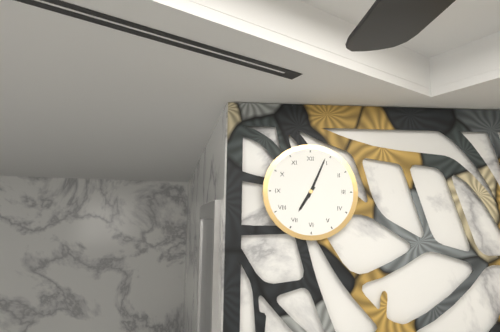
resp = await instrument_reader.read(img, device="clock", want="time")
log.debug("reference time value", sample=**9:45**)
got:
**7:04**
